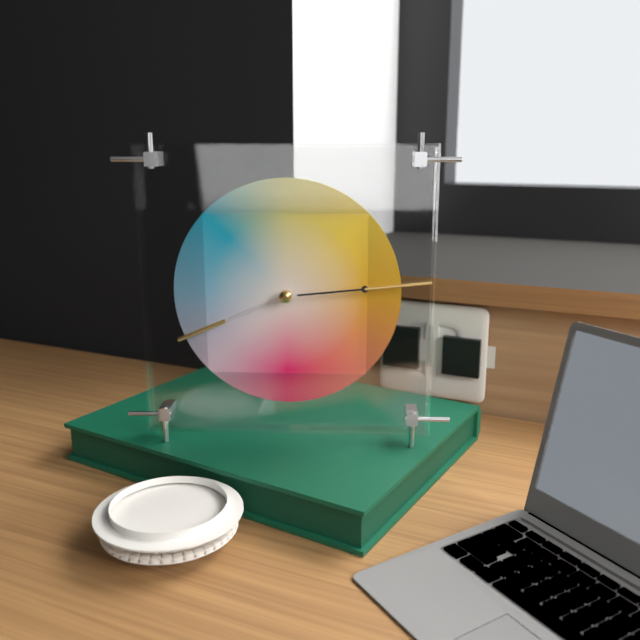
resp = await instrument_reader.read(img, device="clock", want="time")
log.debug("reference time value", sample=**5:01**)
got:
**8:14**
